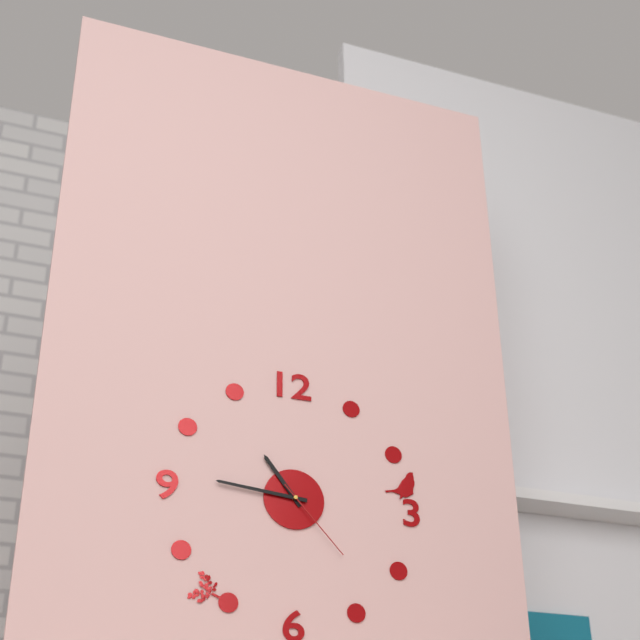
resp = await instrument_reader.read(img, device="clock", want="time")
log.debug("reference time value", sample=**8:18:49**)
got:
**10:46:23**
